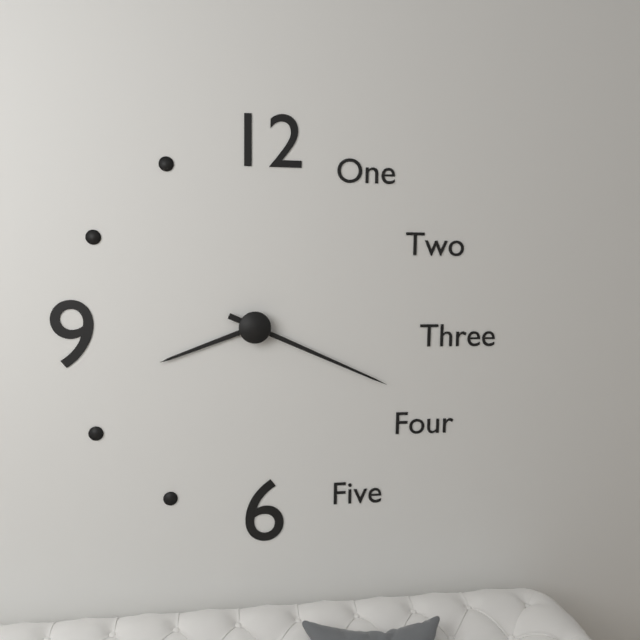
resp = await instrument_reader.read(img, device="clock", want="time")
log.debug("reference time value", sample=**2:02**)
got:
**8:19**
